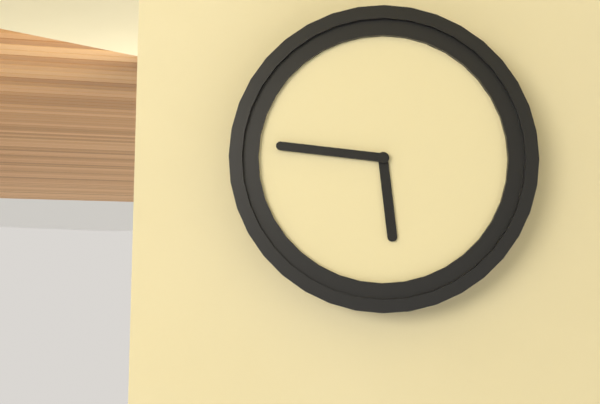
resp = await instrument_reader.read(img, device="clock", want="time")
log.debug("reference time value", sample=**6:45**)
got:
**5:46**
